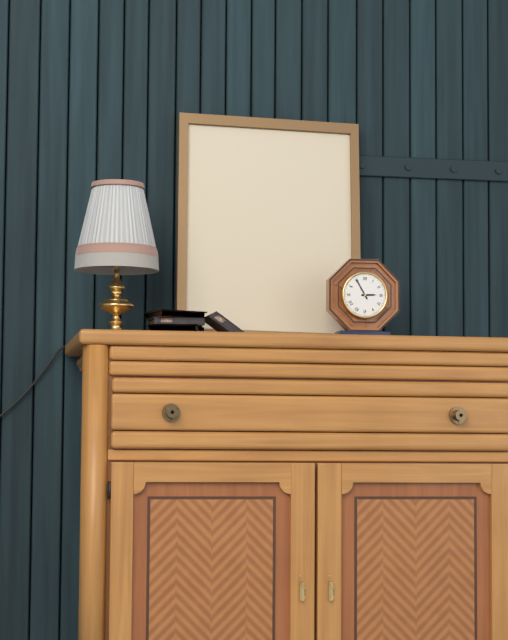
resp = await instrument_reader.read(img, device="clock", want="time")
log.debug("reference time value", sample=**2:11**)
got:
**2:55**
